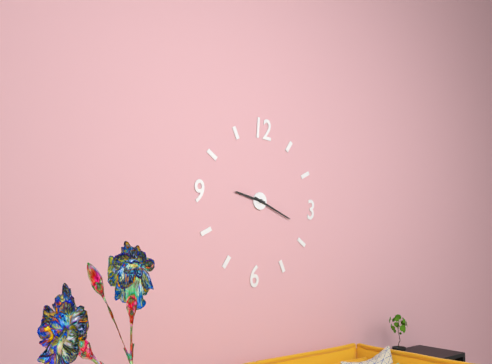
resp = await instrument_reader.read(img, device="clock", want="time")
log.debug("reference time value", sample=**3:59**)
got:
**9:18**
